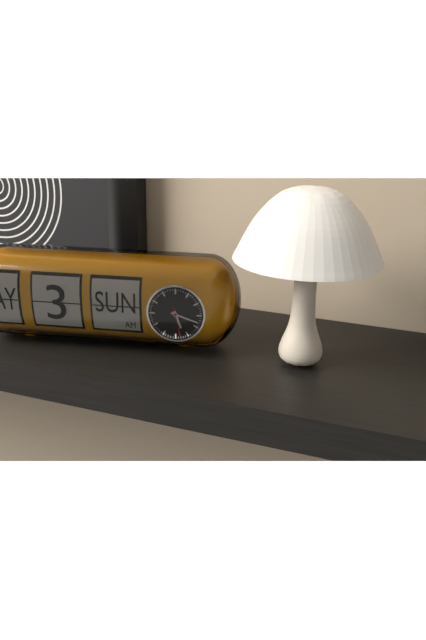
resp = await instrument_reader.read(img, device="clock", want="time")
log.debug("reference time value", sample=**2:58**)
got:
**5:18**
